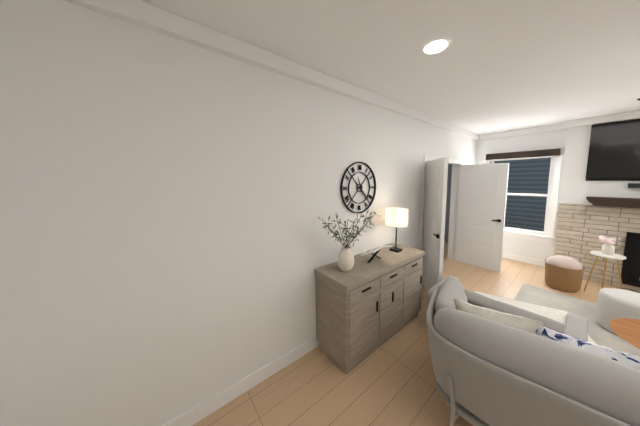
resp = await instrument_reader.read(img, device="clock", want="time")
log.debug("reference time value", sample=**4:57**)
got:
**11:23**
